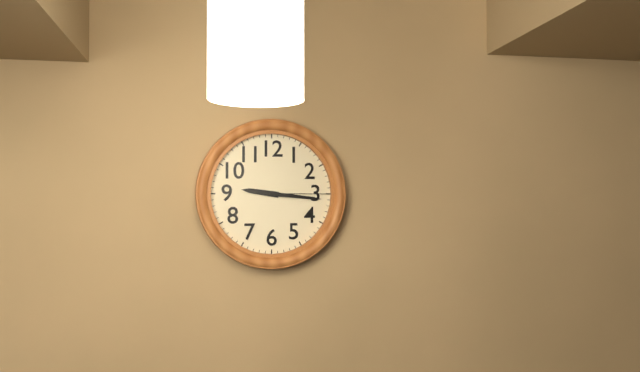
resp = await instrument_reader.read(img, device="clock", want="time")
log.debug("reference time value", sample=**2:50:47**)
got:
**9:16:15**
